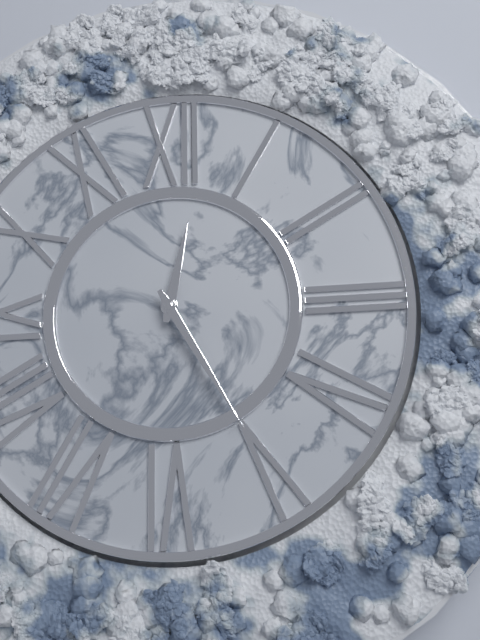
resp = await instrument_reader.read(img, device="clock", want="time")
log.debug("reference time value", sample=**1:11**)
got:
**12:25**
